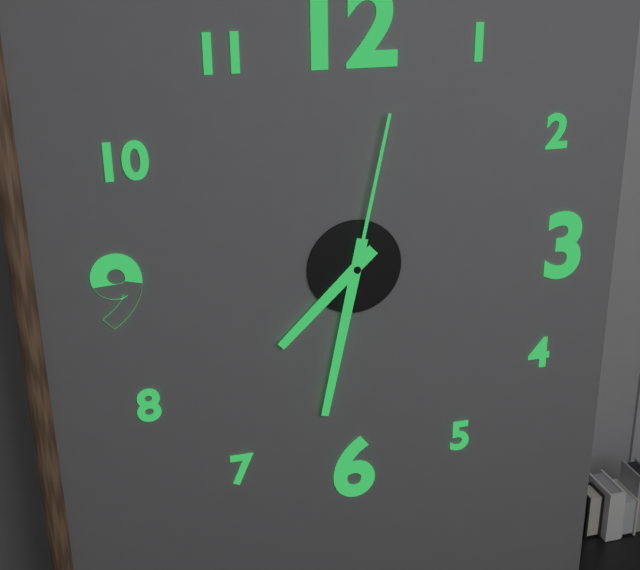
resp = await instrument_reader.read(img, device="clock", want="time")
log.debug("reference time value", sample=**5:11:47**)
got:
**7:32:02**
